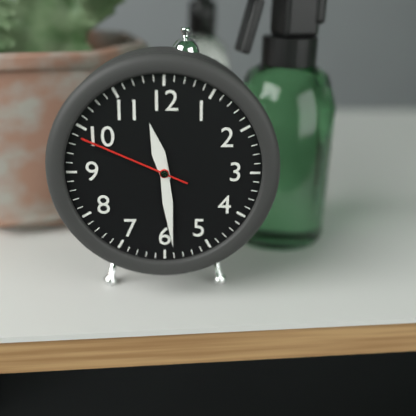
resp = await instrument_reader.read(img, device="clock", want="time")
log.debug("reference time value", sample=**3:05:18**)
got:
**11:29:49**
